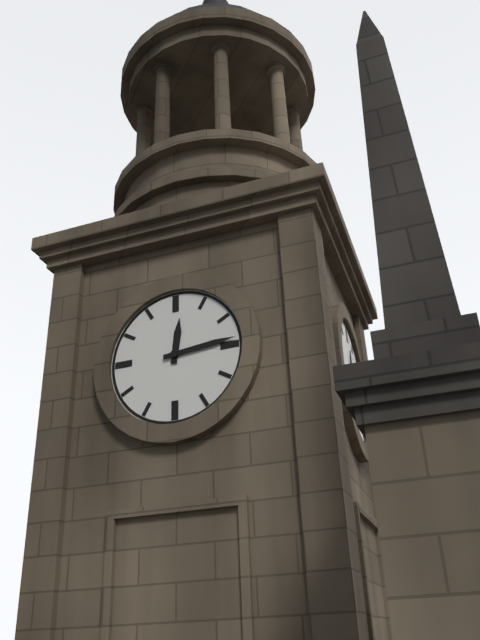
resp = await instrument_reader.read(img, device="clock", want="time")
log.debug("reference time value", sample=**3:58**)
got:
**12:14**
